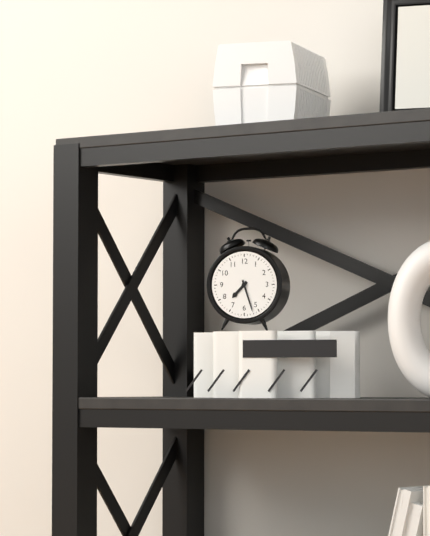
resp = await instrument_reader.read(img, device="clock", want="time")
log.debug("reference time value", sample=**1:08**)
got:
**7:27**
